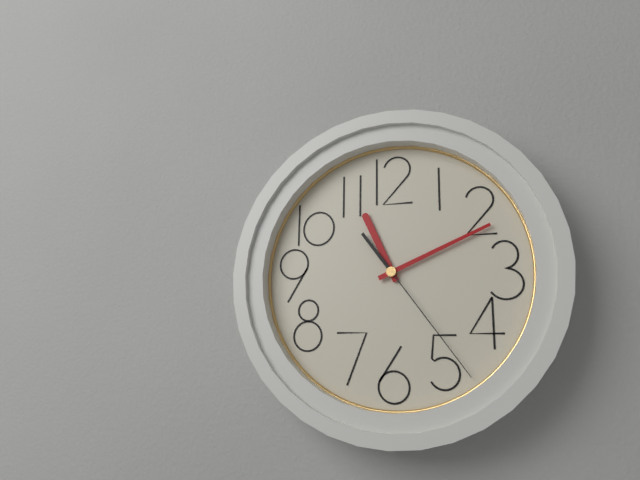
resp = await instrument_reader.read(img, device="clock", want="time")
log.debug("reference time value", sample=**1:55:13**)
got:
**11:11:24**
